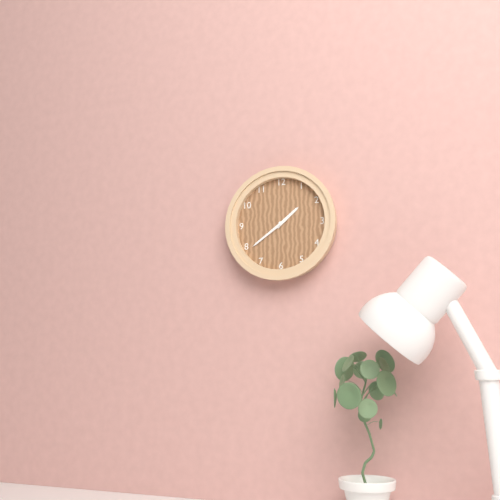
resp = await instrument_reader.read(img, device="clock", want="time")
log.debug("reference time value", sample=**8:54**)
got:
**1:39**
